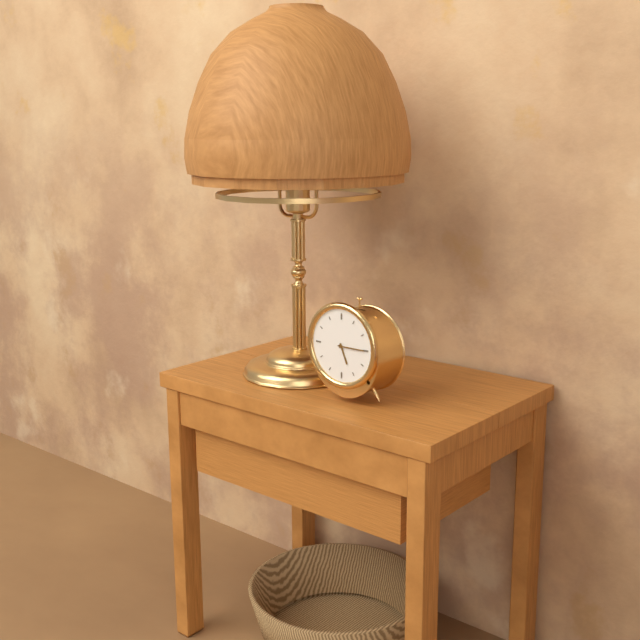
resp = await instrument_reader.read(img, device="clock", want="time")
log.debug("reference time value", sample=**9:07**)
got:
**5:15**
